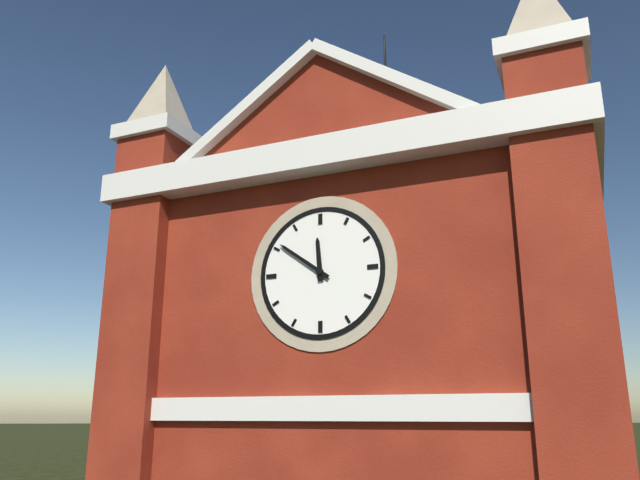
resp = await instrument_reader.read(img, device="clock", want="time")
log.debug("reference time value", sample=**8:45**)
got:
**11:51**
